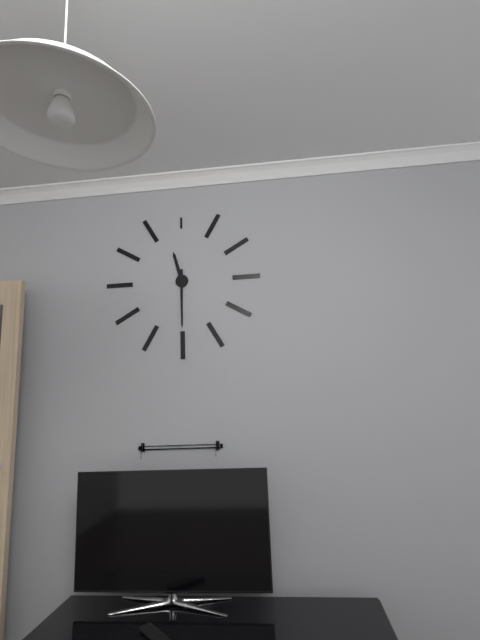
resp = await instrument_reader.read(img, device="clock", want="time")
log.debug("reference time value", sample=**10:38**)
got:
**11:30**
